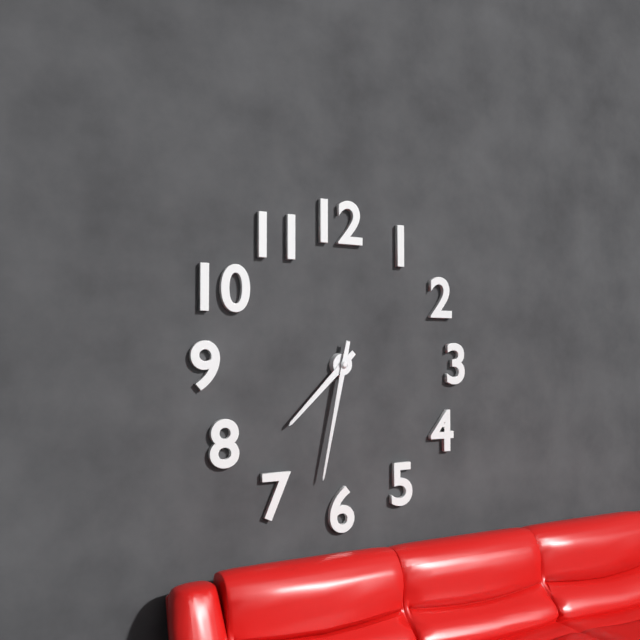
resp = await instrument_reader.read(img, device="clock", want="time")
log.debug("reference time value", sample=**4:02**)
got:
**7:32**
